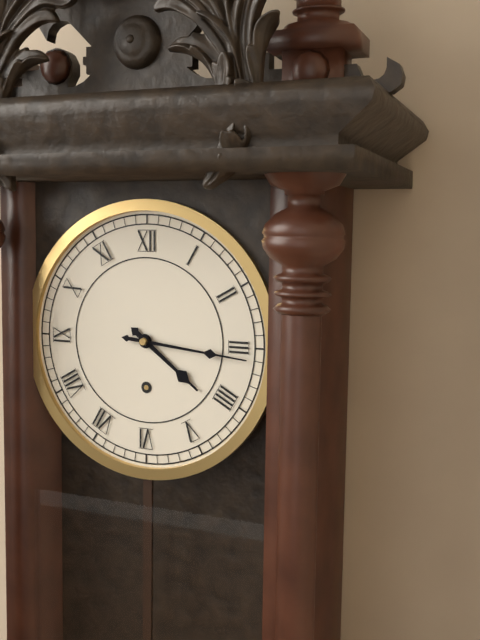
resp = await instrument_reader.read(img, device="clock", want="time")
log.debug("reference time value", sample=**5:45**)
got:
**4:16**
